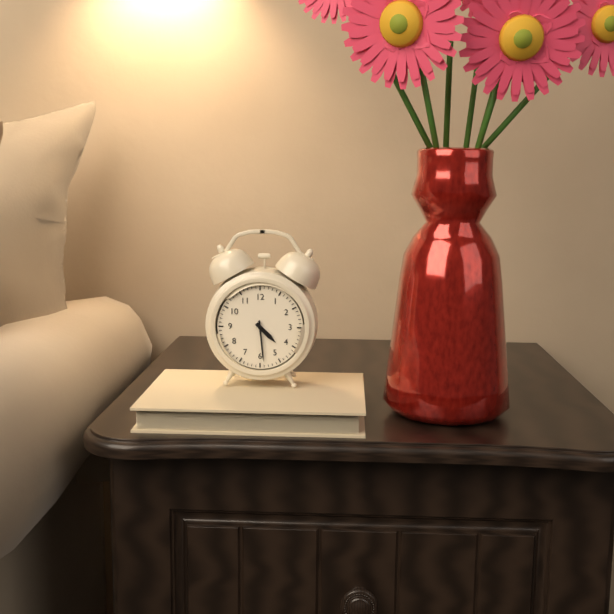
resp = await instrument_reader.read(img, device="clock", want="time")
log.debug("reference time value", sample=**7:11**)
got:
**4:29**
